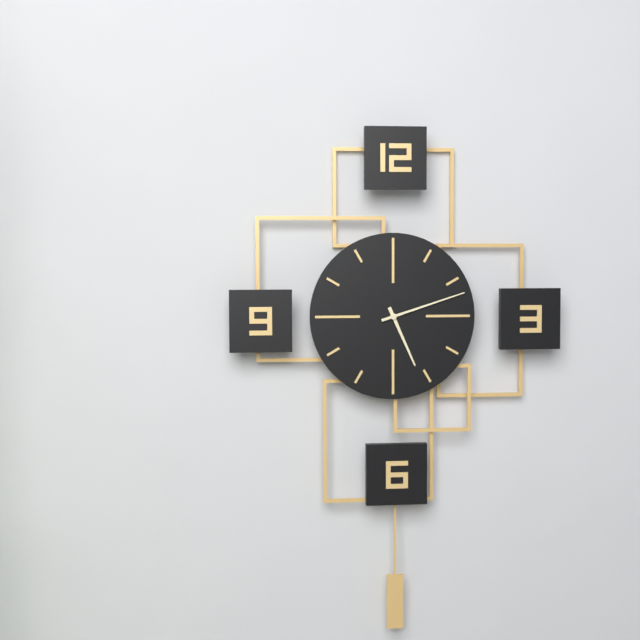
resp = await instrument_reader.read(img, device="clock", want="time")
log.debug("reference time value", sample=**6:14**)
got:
**5:12**
